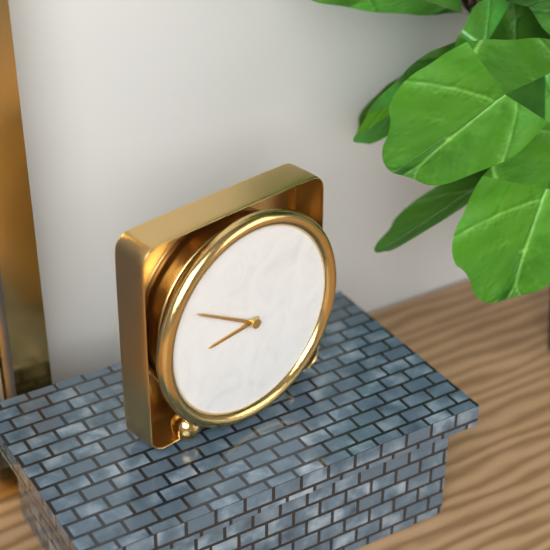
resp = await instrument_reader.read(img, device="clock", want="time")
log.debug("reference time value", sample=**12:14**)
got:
**8:50**
